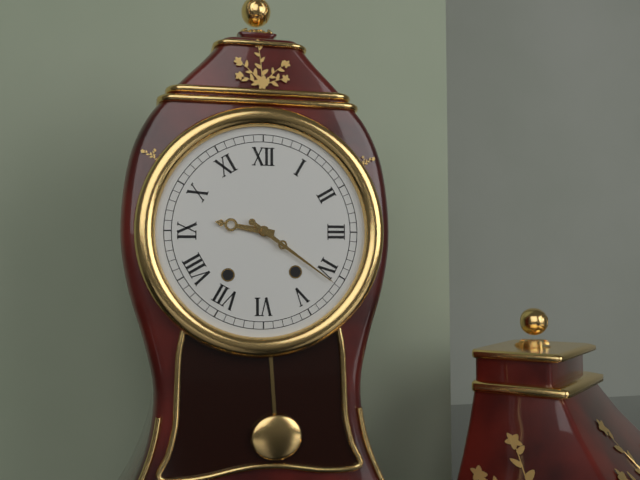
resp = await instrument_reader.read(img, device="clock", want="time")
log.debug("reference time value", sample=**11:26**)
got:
**9:21**
